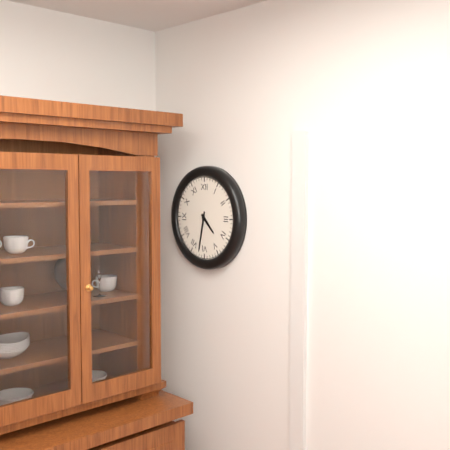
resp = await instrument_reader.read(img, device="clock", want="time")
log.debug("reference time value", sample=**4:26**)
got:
**4:32**
